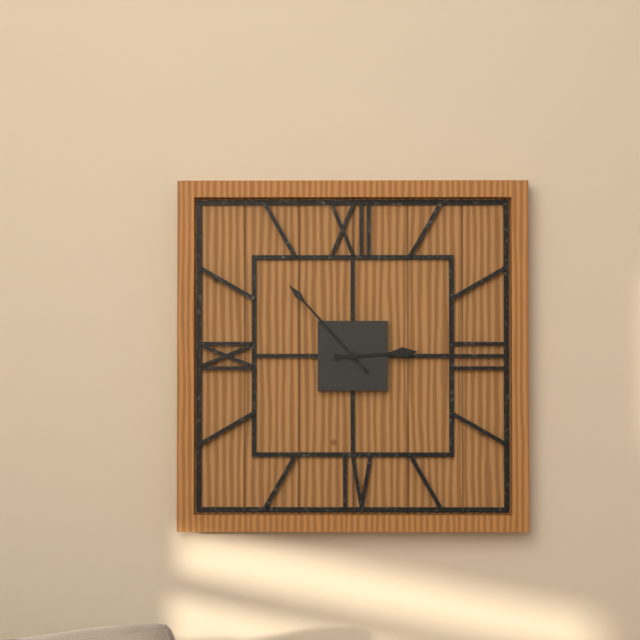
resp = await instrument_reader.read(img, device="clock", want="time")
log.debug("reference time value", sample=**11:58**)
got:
**2:53**
